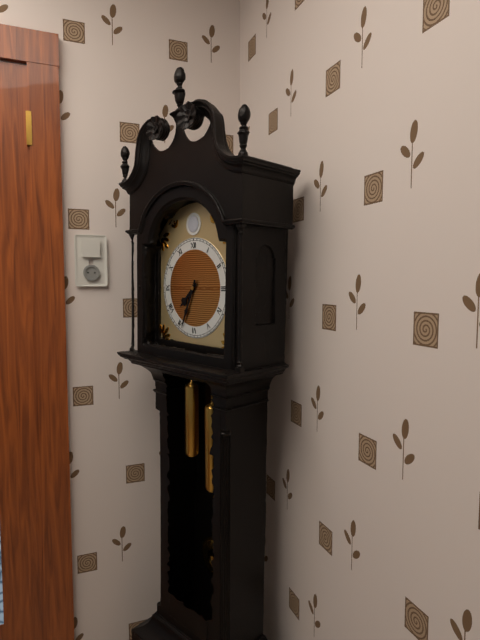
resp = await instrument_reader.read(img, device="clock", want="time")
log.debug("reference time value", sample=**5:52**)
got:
**7:34**
